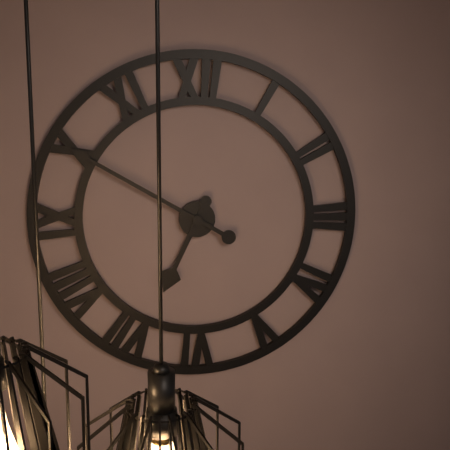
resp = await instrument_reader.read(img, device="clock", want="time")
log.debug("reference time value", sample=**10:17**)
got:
**6:50**
